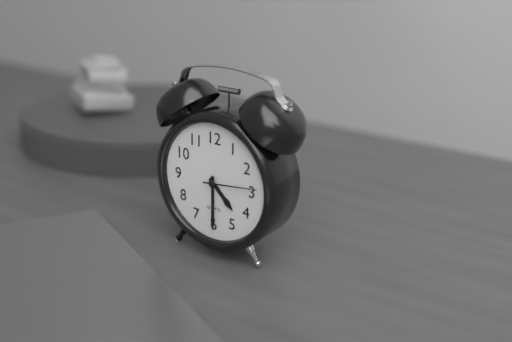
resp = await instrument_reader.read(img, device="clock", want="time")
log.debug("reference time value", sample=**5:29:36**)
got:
**4:30:14**
